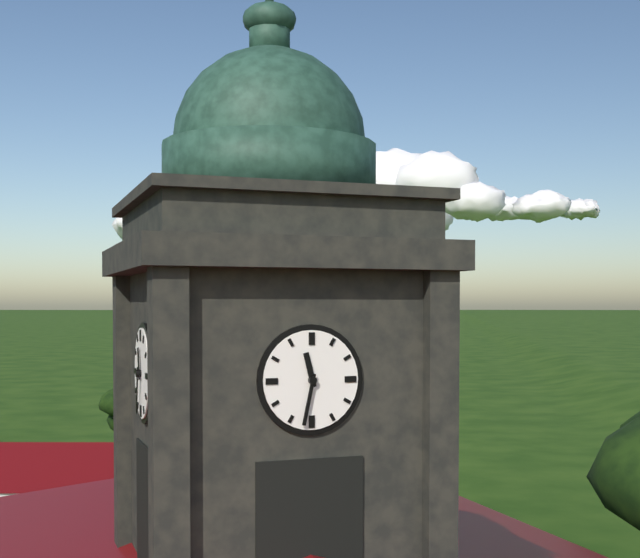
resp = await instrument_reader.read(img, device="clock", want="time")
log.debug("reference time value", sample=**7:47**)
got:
**11:32**
